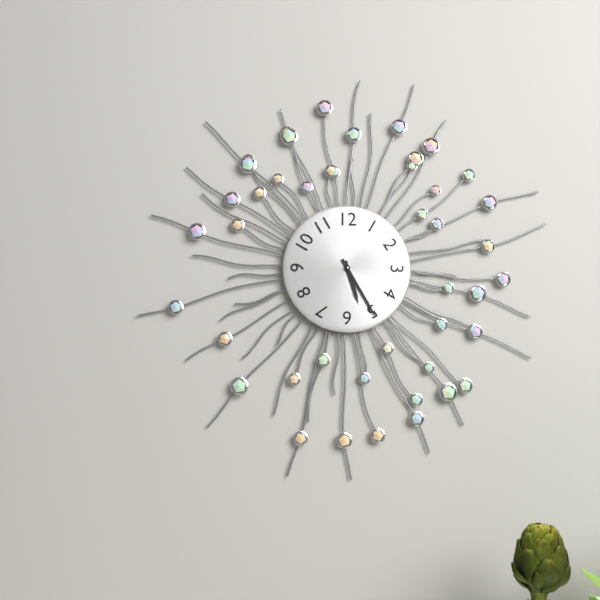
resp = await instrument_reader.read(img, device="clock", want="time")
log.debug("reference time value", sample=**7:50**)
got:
**5:25**
